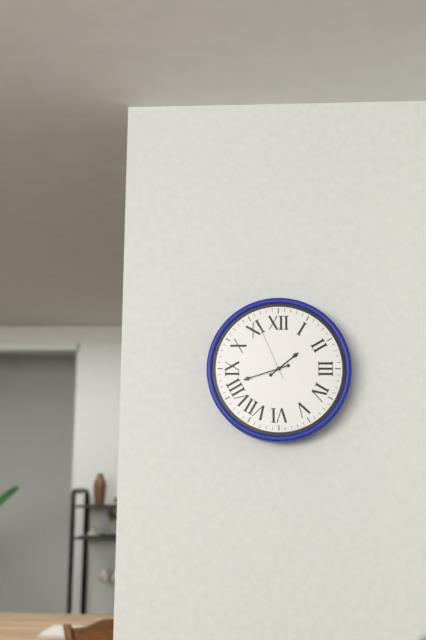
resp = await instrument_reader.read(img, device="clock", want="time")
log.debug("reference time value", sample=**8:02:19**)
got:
**1:42:56**
